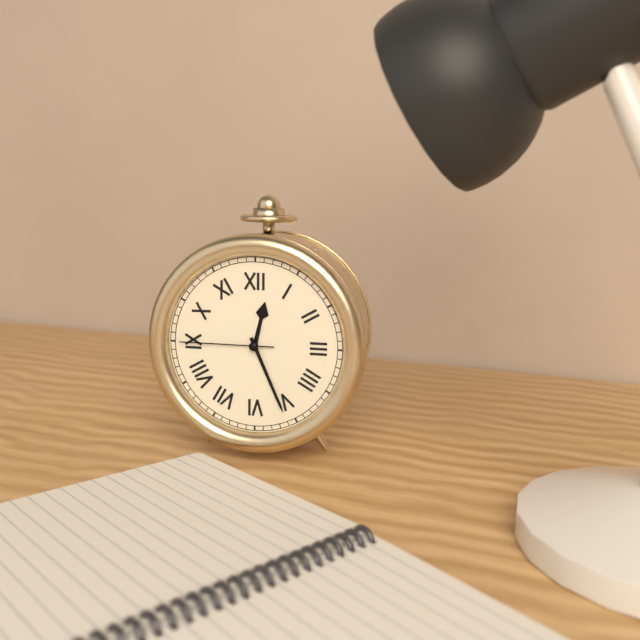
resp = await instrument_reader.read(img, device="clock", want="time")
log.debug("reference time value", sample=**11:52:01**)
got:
**12:26:45**
